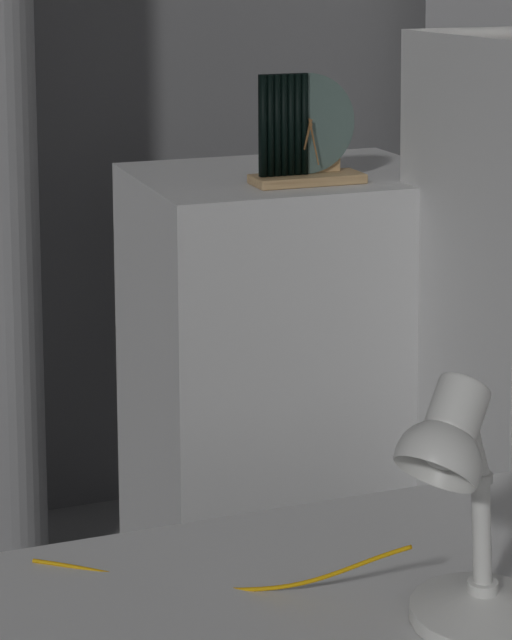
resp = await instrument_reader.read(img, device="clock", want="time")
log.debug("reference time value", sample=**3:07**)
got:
**6:28**
